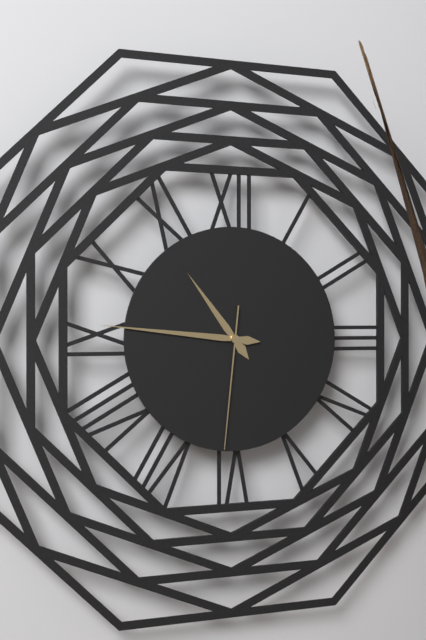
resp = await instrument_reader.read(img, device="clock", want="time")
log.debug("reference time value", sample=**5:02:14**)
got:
**10:46:31**
